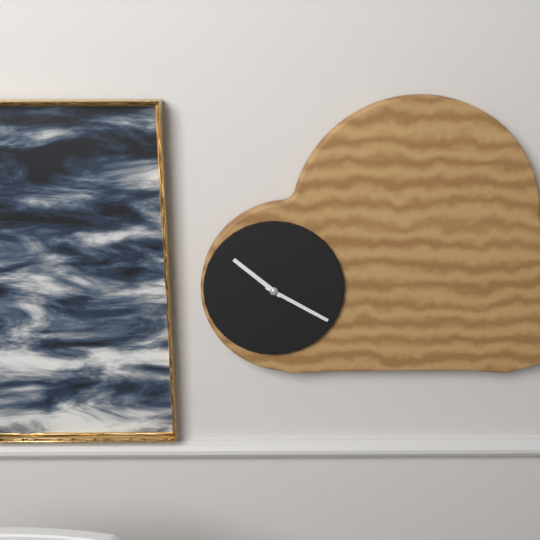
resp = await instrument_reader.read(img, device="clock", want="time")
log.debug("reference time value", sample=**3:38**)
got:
**10:20**
